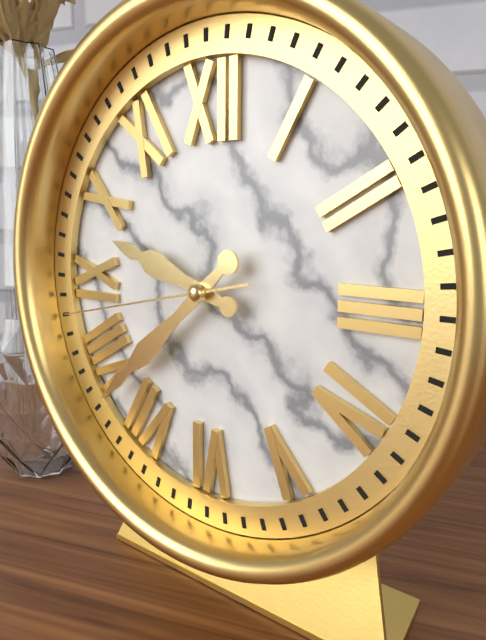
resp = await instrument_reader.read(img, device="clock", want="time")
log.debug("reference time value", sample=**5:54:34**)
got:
**9:38:43**
